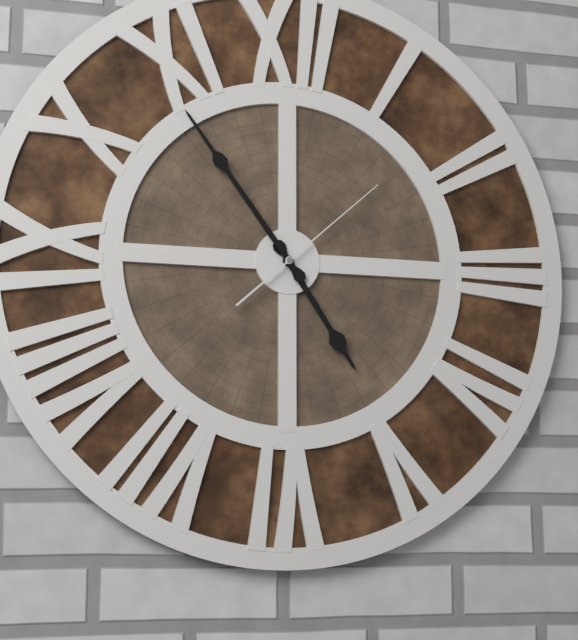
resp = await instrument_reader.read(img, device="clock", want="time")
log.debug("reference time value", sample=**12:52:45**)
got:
**4:54:08**
